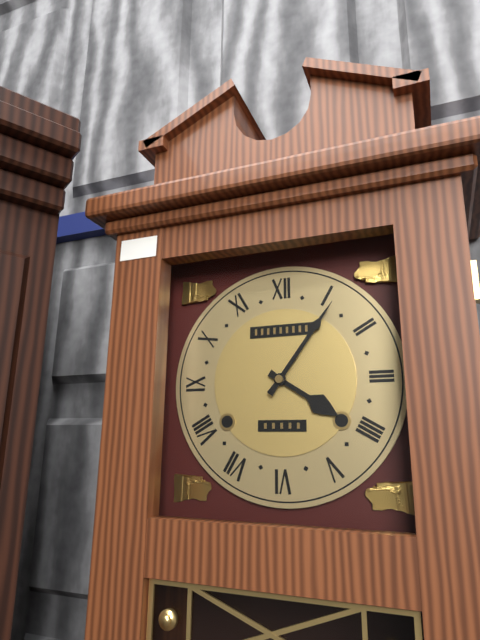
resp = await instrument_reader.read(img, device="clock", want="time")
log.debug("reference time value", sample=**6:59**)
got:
**4:06**
